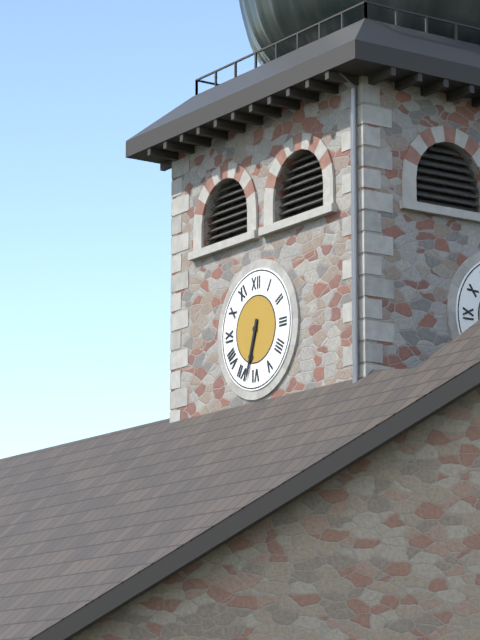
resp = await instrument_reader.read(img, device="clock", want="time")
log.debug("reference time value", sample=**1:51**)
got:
**6:33**
